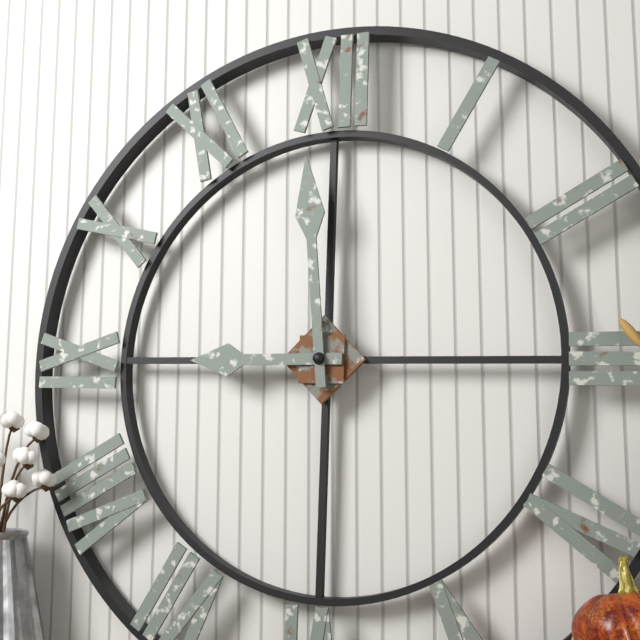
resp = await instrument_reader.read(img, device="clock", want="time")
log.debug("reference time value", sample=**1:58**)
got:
**8:59**
